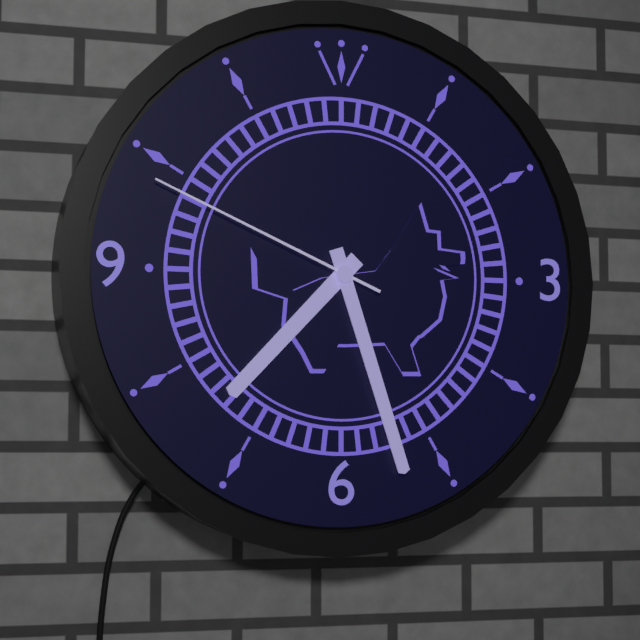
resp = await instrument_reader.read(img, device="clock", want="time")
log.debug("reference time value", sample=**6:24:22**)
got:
**7:27:49**
